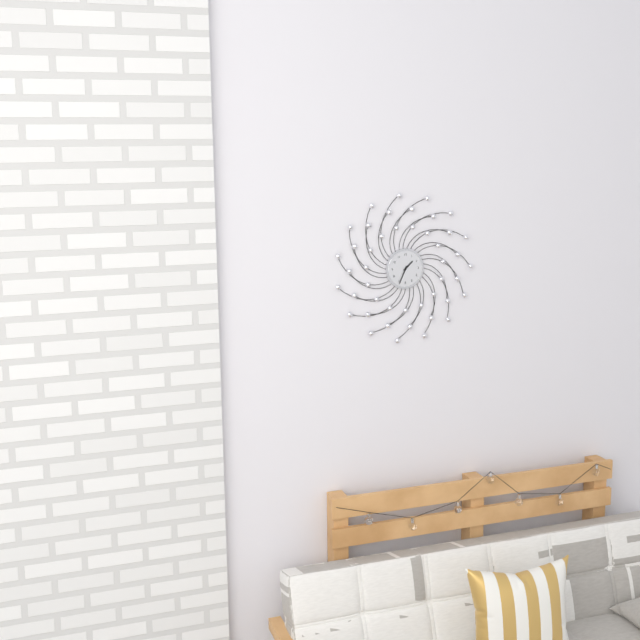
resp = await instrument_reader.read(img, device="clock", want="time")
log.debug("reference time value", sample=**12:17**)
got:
**1:34**
